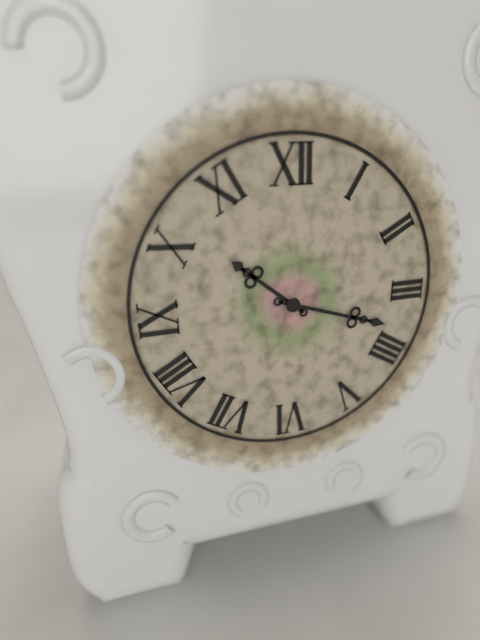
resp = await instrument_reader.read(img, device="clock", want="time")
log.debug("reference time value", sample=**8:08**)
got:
**10:18**
